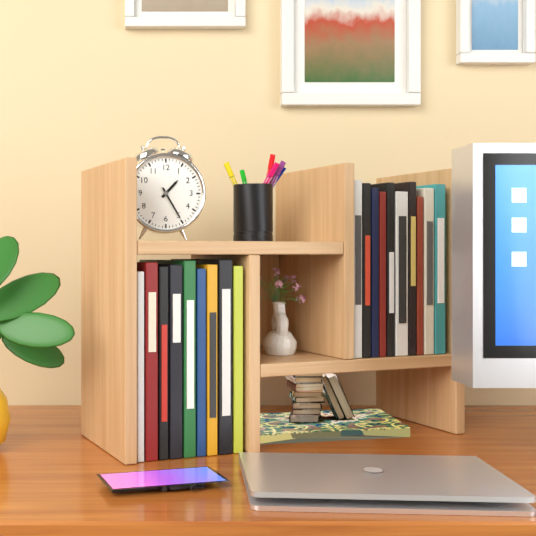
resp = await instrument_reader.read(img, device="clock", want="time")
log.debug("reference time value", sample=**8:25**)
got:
**1:25**
